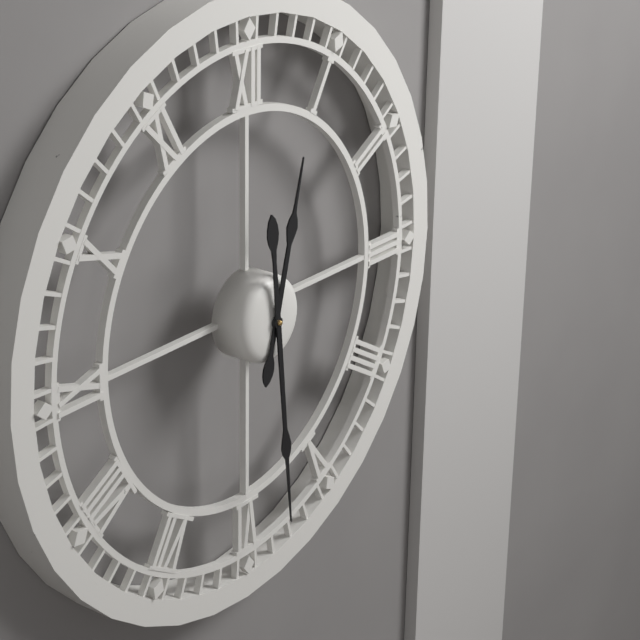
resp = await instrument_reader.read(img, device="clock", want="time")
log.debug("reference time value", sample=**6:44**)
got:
**12:29**
